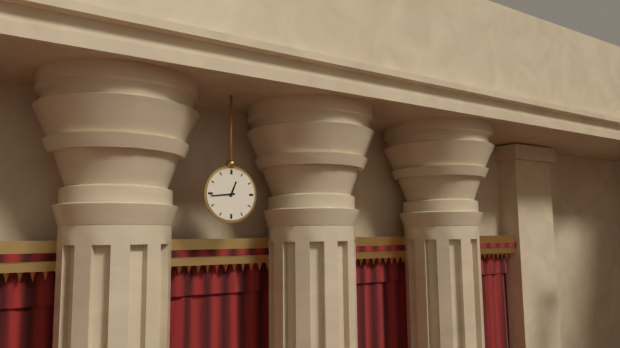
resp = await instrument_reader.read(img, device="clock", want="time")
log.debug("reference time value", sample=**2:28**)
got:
**12:44**
